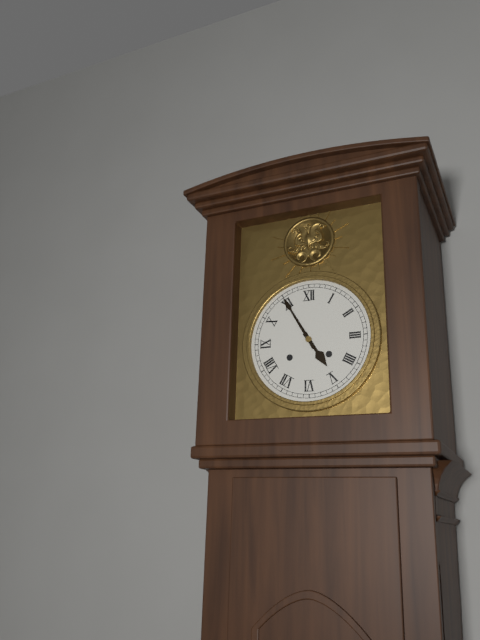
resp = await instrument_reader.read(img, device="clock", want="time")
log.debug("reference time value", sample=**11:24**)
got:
**4:55**
